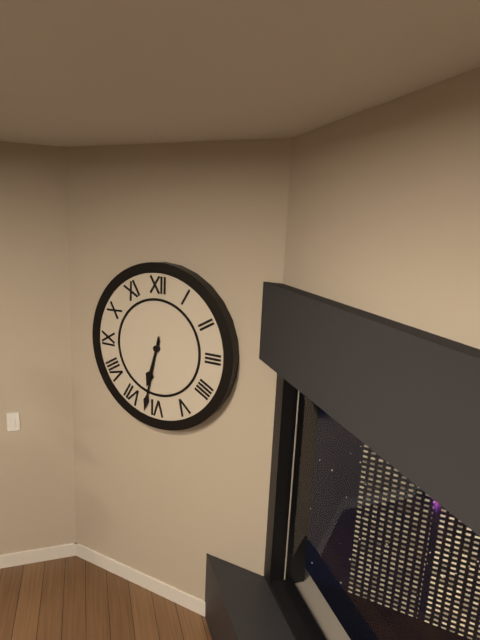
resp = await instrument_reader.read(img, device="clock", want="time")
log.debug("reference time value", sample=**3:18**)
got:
**6:32**
